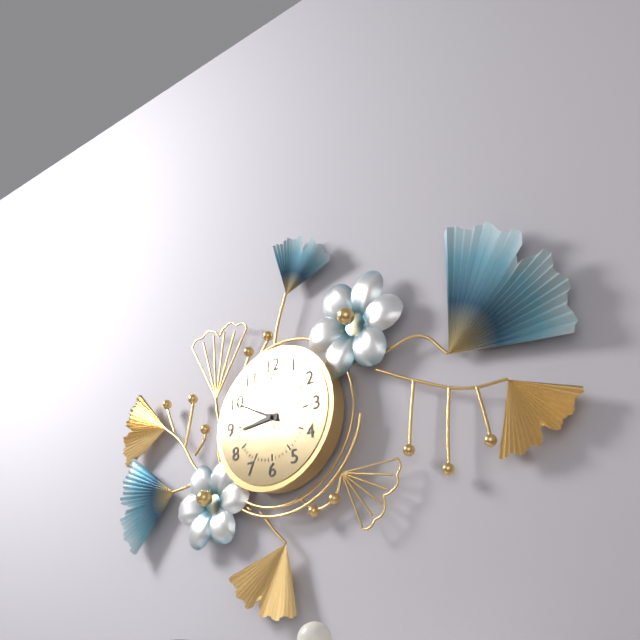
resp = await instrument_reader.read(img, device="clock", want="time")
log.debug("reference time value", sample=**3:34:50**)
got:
**8:50:56**
